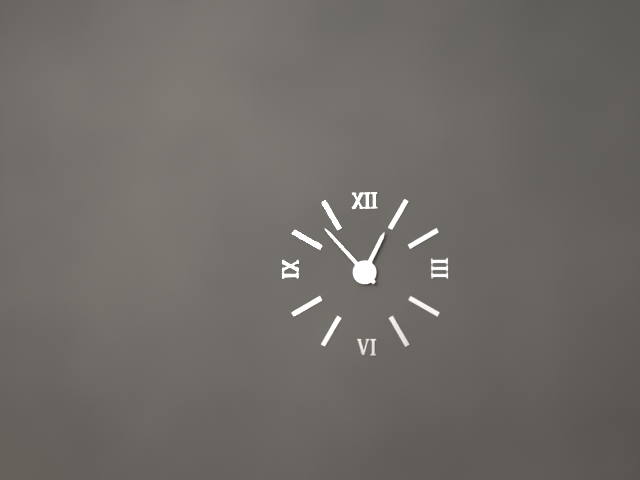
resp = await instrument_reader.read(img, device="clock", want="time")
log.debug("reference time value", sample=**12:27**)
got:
**12:53**
